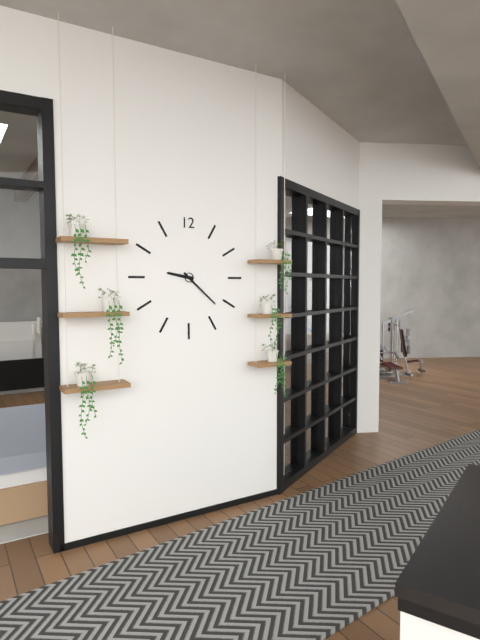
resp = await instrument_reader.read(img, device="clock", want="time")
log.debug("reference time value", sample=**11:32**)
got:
**9:22**
